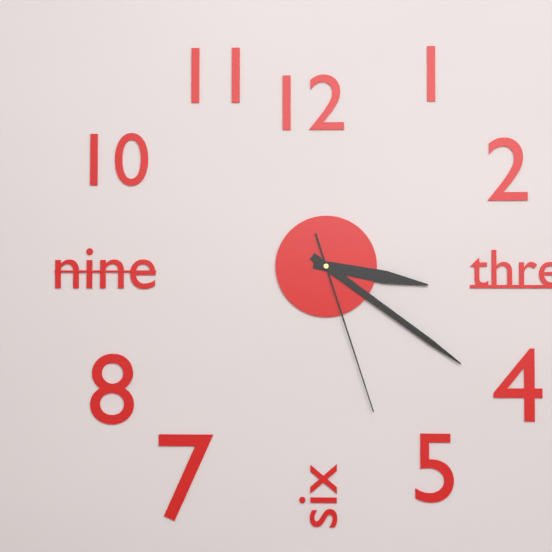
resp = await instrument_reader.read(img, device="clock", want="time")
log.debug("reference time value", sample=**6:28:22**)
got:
**3:21:27**
